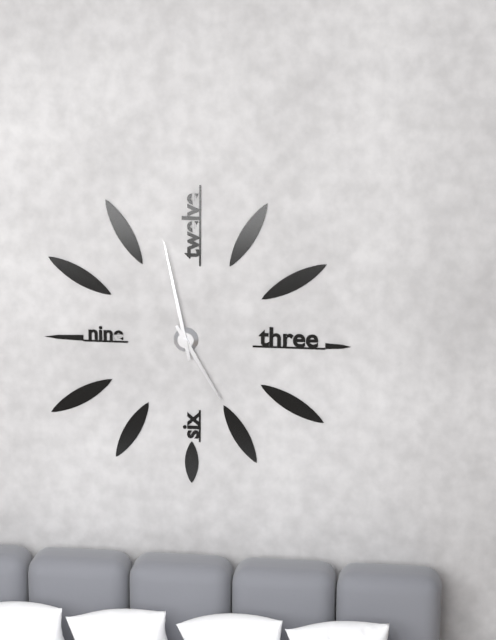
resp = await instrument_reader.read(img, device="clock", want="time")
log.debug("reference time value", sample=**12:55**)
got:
**4:58**
